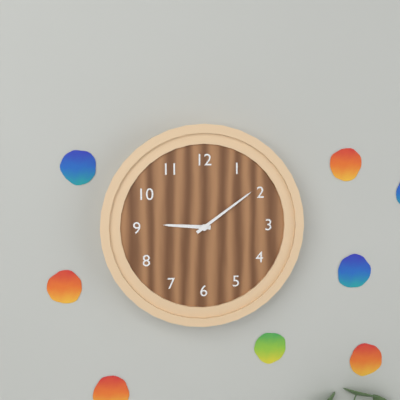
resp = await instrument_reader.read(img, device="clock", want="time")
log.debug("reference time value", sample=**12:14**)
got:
**9:09**
